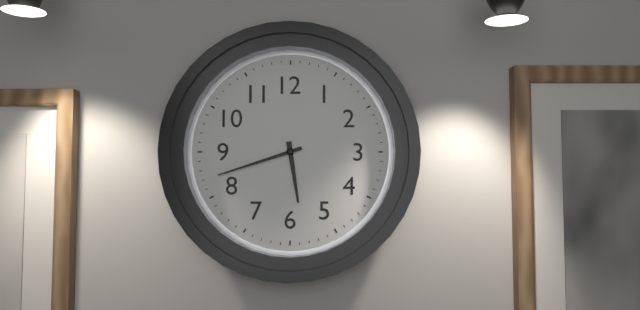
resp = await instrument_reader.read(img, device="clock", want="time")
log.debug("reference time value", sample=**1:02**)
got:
**5:42**
